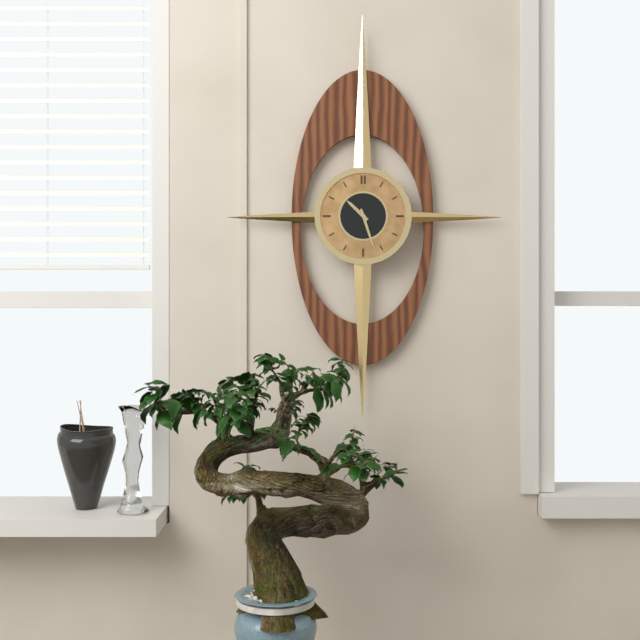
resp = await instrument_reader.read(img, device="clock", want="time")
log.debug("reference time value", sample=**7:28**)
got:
**10:27**
